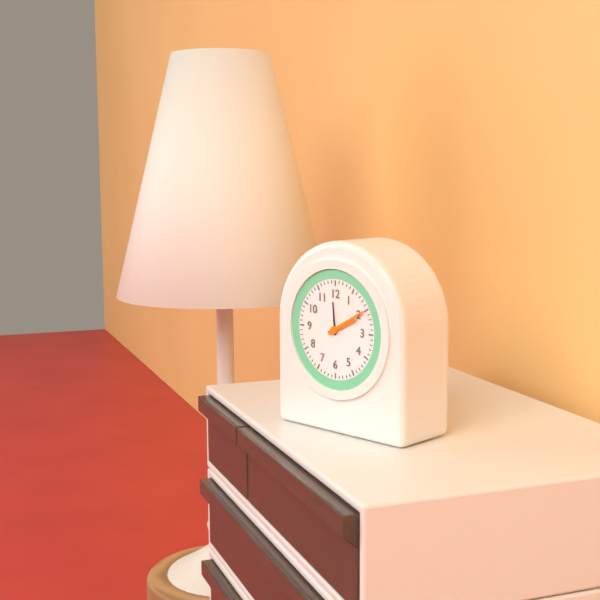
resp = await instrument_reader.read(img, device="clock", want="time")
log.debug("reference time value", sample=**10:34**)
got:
**2:10**
